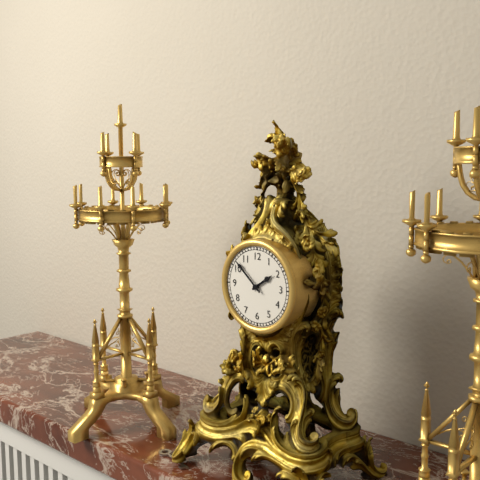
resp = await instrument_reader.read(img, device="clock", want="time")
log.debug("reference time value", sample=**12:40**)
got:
**1:52**
